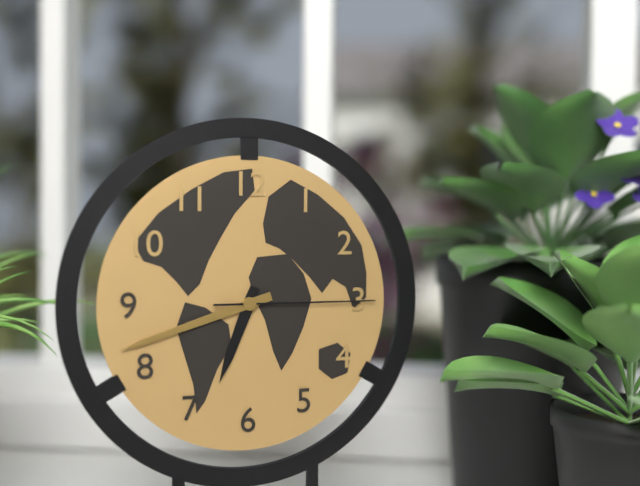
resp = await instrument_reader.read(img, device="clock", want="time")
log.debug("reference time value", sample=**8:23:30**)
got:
**6:42:15**
